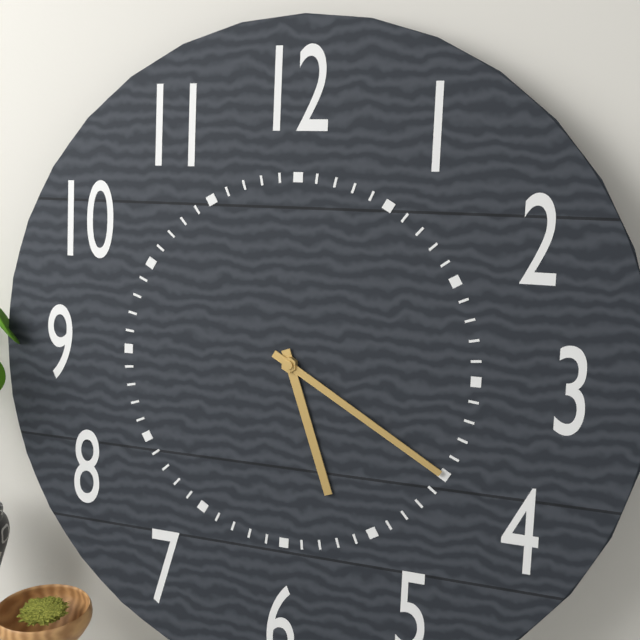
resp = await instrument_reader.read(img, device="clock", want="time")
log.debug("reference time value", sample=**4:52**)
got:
**5:20**
